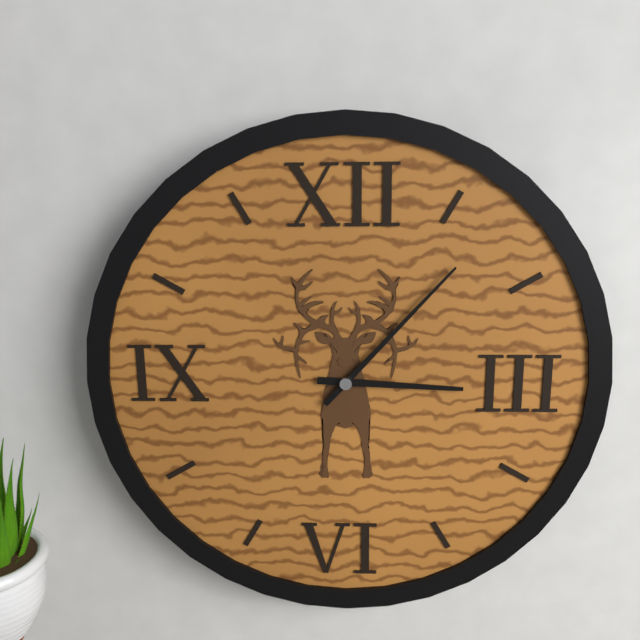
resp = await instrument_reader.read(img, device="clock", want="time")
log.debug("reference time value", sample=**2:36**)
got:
**3:07**
